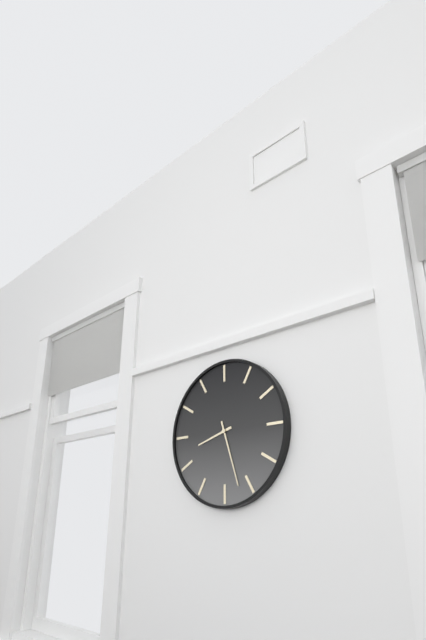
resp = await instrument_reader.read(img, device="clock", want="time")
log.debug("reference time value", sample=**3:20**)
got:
**8:27**
